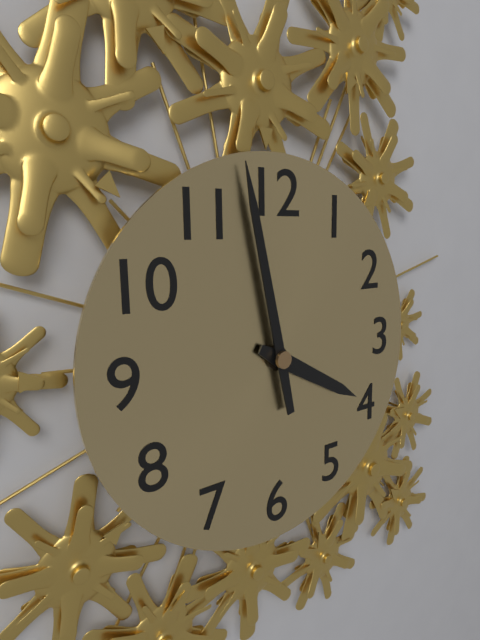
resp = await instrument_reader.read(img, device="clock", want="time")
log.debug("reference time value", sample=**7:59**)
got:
**3:58**
